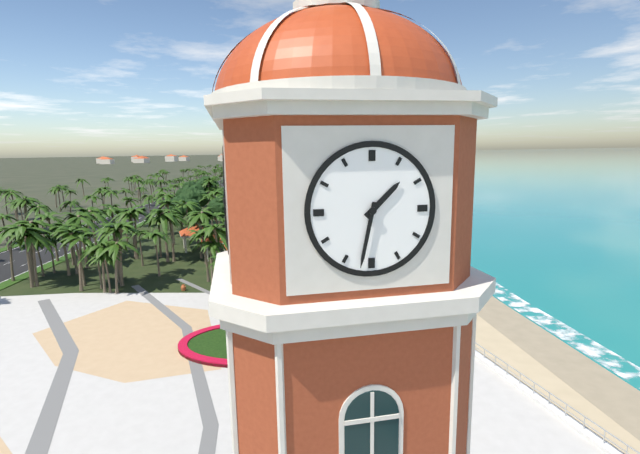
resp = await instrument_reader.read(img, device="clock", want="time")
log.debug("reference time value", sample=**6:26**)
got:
**1:32**
